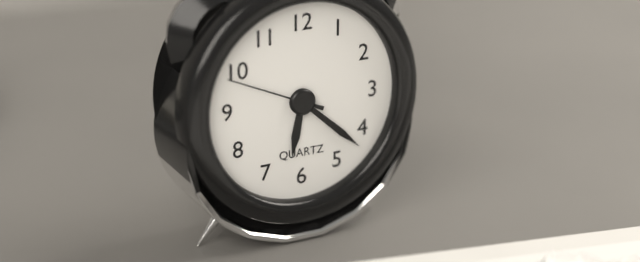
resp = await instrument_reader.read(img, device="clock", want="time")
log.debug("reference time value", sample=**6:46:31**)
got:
**6:22:49**
